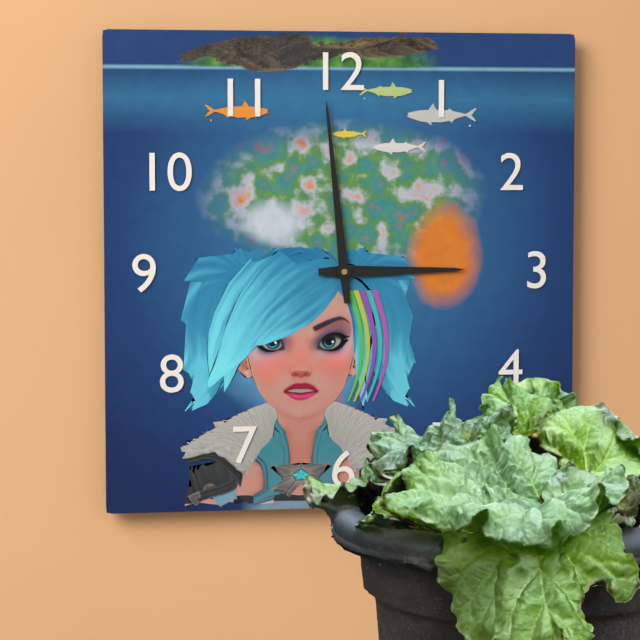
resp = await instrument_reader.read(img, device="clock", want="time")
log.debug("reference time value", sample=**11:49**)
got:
**2:59**
